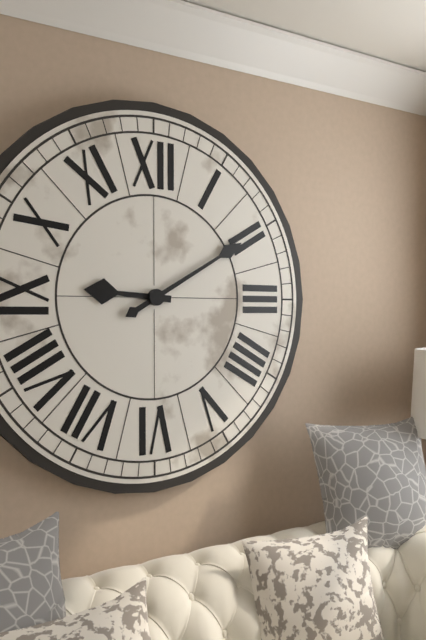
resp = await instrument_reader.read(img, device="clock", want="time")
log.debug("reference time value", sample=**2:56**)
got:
**9:10**
